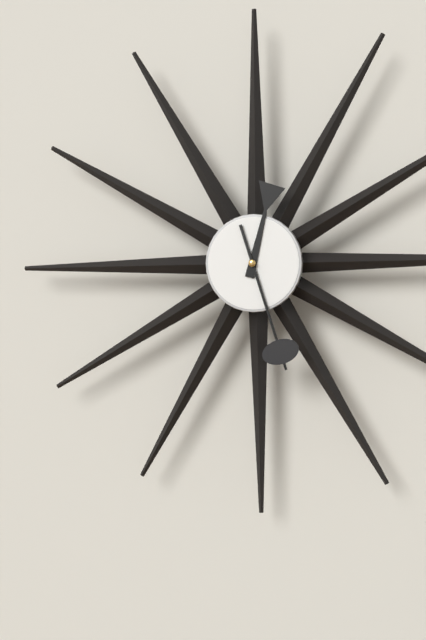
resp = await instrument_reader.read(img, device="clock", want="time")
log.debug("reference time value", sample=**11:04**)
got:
**12:27**
